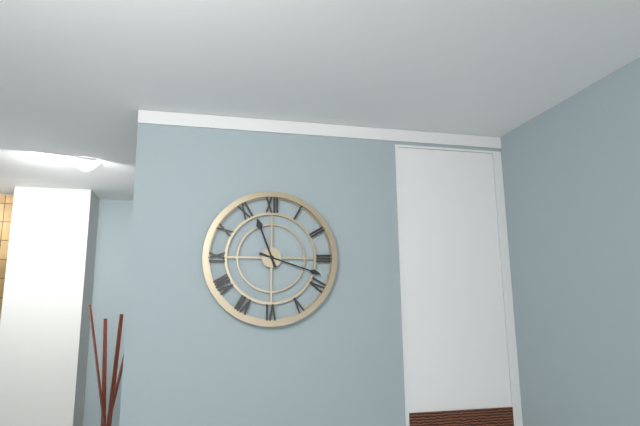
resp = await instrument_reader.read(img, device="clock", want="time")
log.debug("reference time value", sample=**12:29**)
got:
**11:18**
